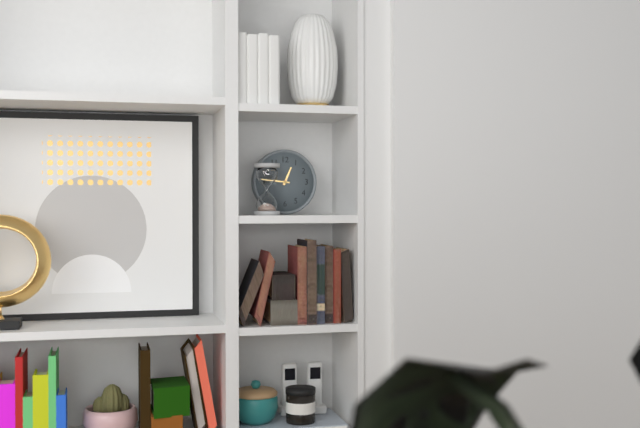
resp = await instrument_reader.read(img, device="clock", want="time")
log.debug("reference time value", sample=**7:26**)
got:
**12:46**
